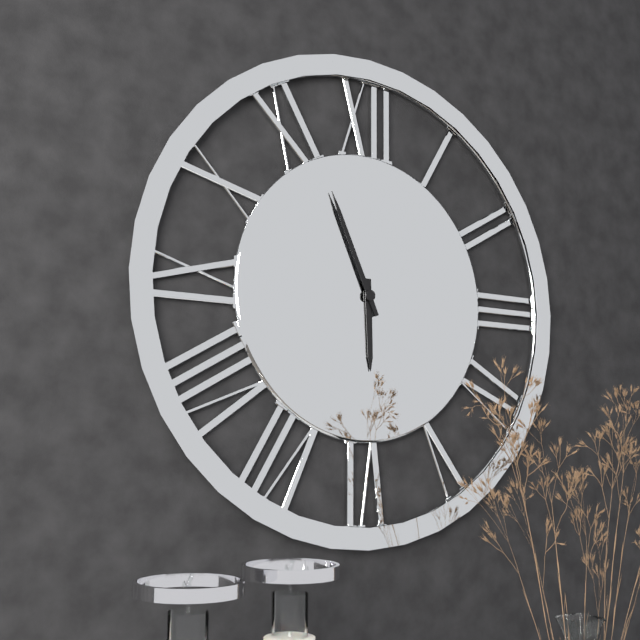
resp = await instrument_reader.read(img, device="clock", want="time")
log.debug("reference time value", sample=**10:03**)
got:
**5:56**
